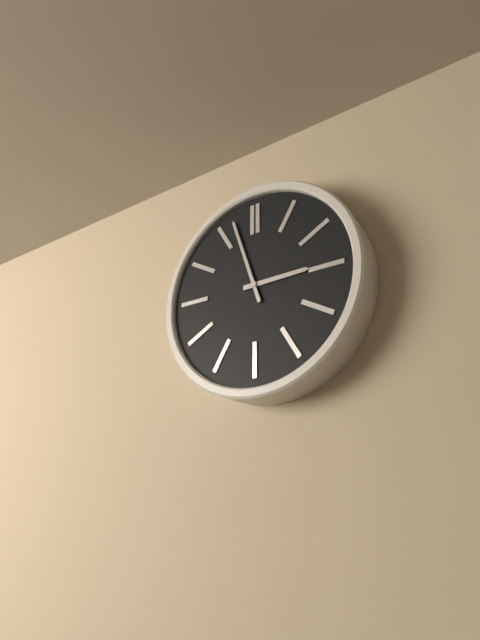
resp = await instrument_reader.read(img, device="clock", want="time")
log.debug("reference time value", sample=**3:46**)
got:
**2:57**
